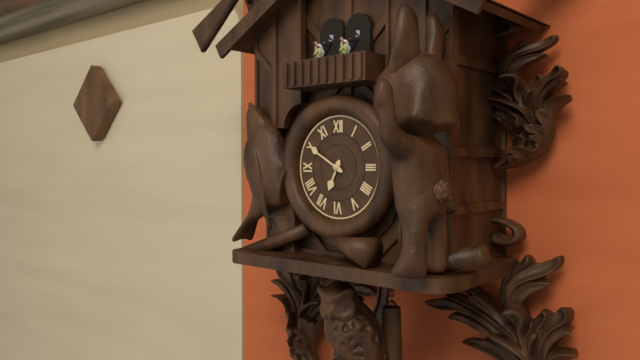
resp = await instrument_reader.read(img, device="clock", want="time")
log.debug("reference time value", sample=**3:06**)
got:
**6:50**
